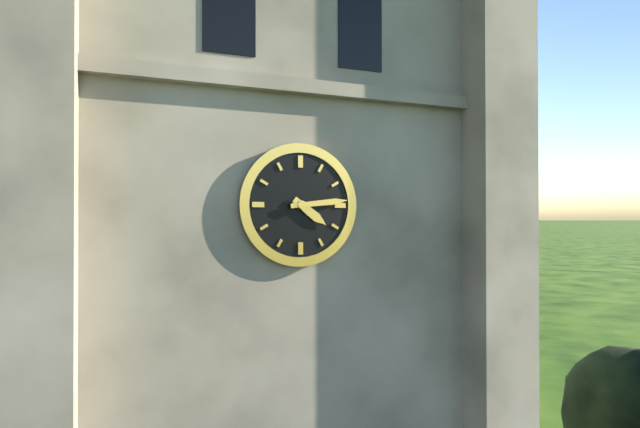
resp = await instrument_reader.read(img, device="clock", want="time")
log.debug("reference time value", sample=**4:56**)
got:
**4:14**
